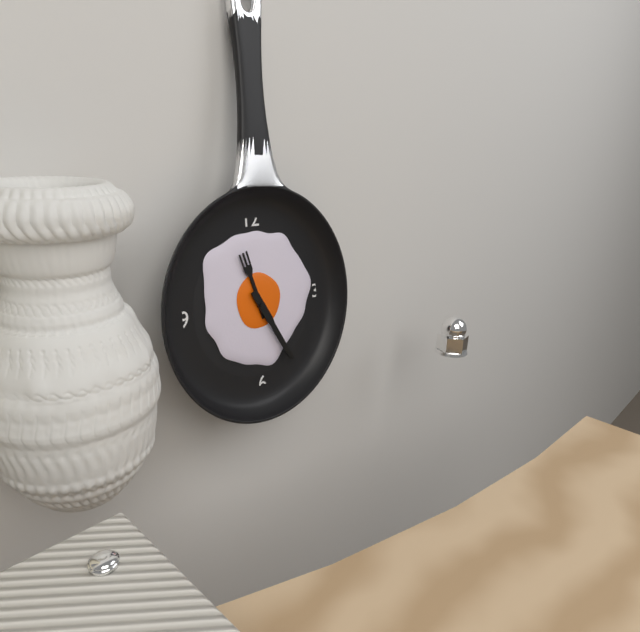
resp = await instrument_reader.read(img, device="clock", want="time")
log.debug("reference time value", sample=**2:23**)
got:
**11:25**
